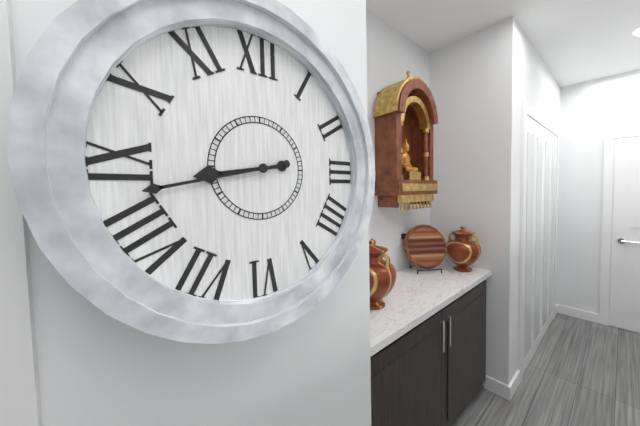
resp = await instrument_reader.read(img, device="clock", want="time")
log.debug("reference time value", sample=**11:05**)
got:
**8:43**
